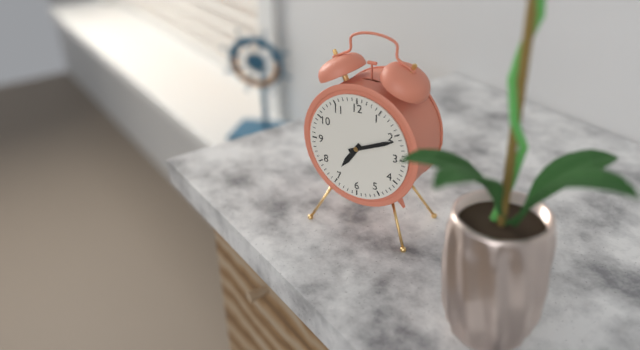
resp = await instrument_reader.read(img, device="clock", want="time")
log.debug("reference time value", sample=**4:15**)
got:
**7:11**
